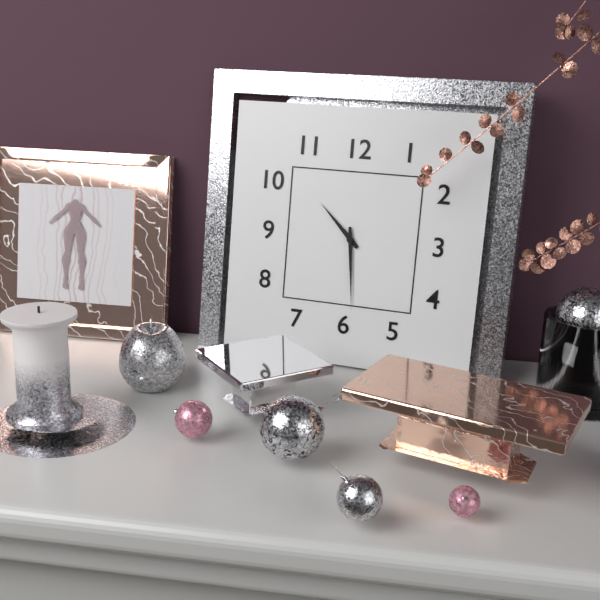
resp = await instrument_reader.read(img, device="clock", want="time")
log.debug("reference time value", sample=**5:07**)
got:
**10:29**
